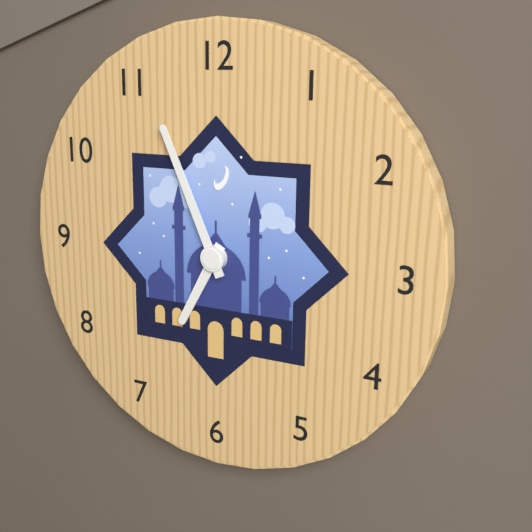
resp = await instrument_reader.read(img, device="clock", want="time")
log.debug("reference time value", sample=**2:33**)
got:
**6:56**
